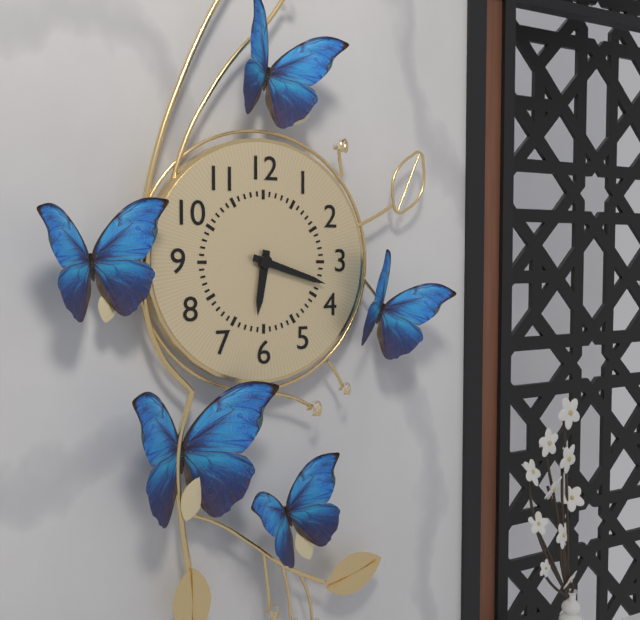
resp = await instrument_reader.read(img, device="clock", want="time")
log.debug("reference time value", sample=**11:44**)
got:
**6:18**
